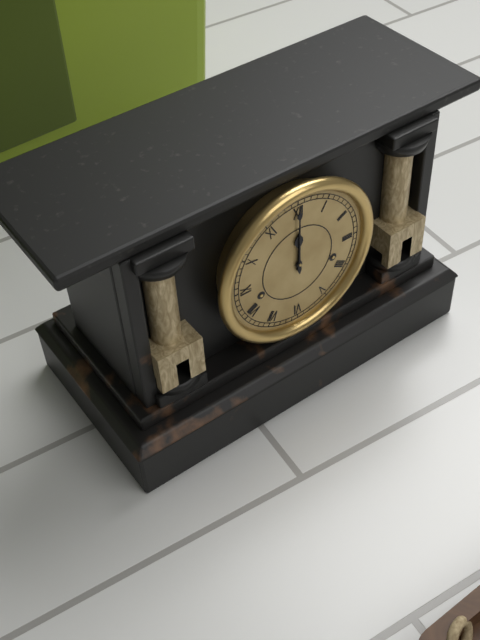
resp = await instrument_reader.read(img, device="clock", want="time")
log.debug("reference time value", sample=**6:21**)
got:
**12:00**
